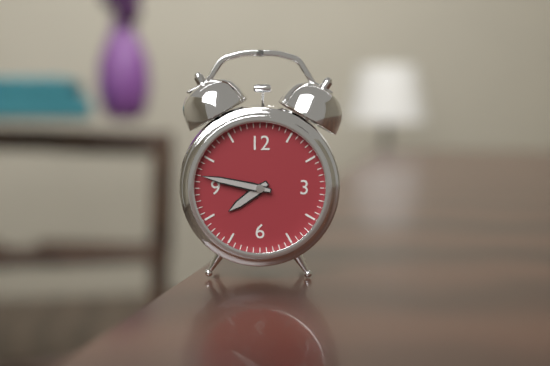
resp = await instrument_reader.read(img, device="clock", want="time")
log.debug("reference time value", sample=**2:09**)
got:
**7:47**
